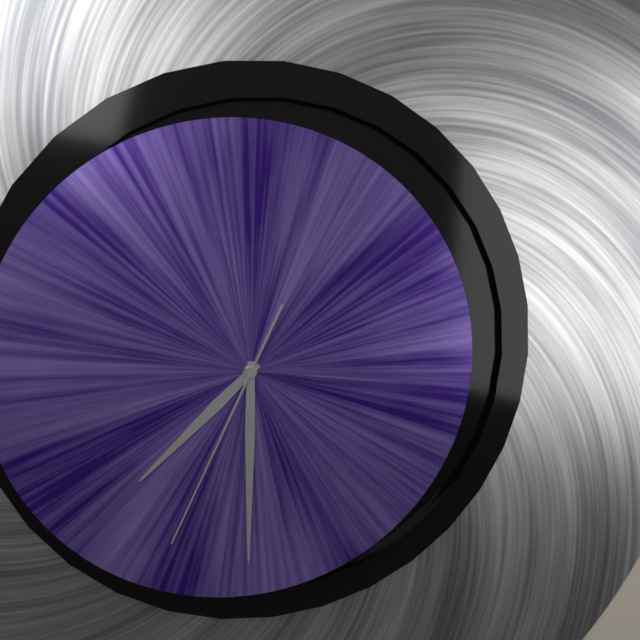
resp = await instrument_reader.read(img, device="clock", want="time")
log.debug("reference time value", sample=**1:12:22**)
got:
**7:30:34**
